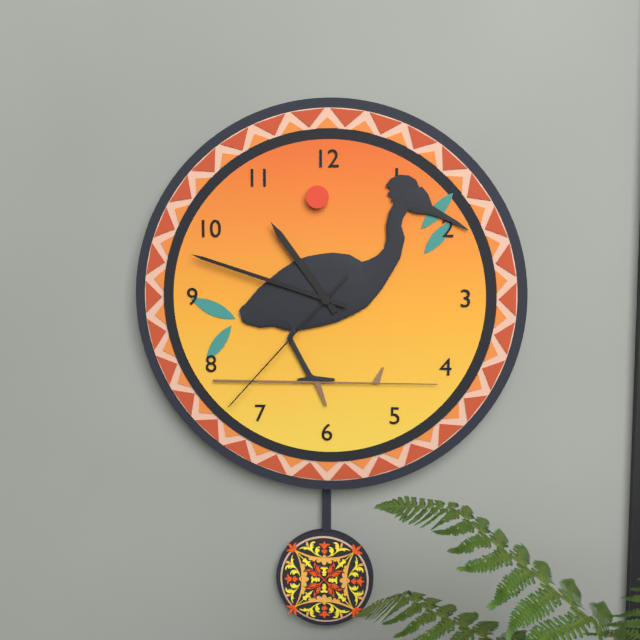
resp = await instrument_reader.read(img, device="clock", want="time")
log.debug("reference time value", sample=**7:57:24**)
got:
**10:48:37**
